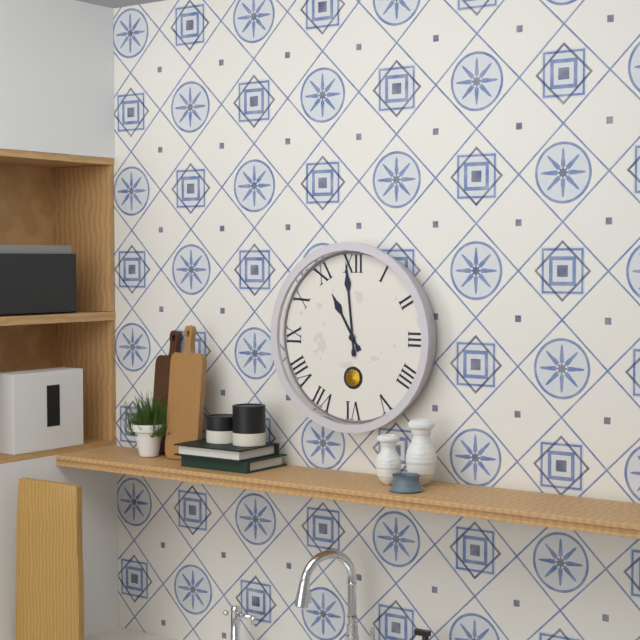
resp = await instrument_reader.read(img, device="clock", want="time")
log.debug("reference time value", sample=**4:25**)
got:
**10:59**
